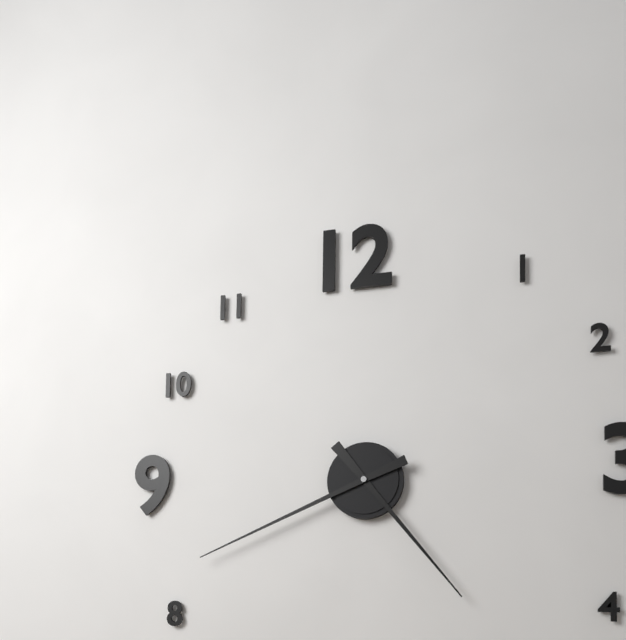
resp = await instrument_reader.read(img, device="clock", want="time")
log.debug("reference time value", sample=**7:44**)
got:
**4:41**
